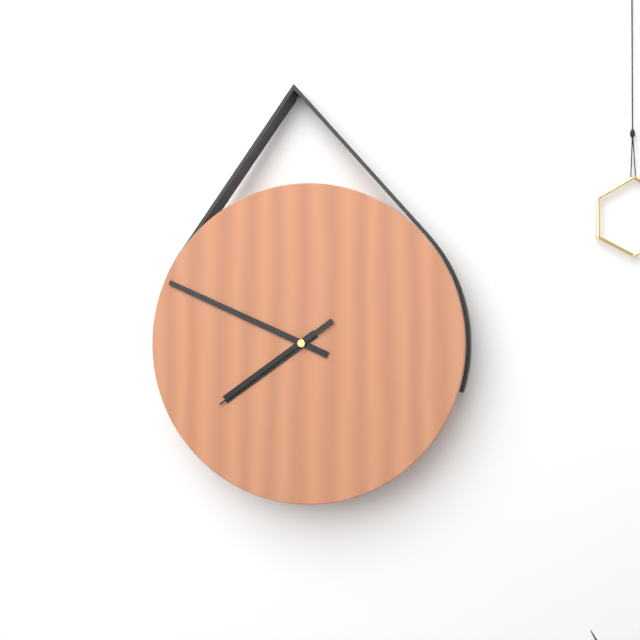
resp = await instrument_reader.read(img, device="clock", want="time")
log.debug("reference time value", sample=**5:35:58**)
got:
**7:49:39**
